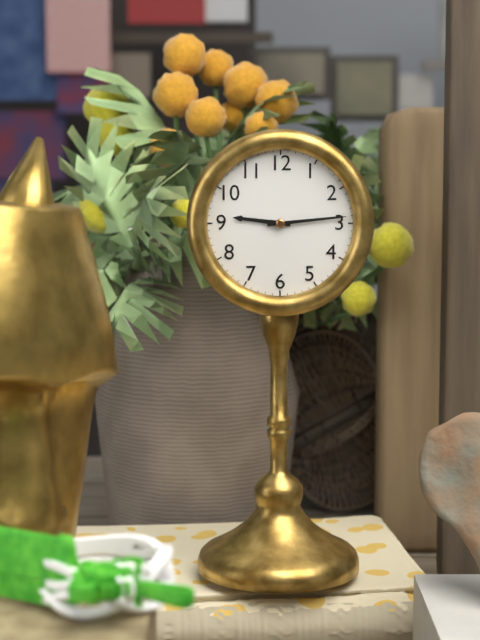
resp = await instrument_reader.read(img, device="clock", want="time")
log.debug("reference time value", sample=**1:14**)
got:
**9:14**
